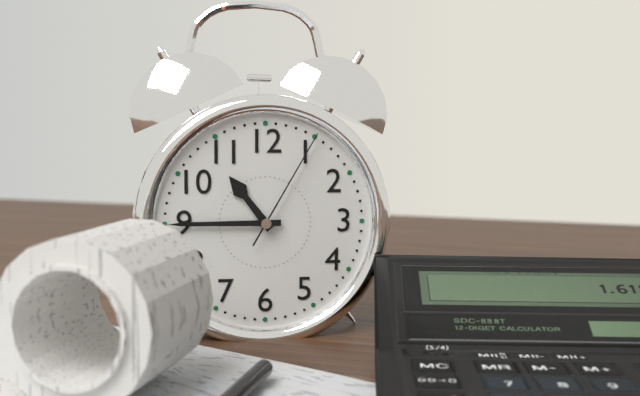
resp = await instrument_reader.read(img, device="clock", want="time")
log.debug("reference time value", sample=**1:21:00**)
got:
**10:45:05**
